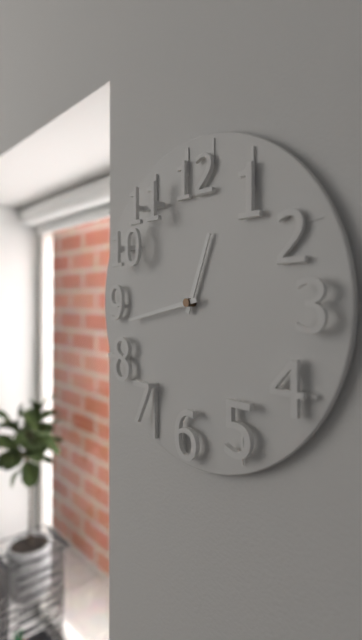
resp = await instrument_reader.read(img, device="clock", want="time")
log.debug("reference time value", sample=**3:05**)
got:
**12:43**
